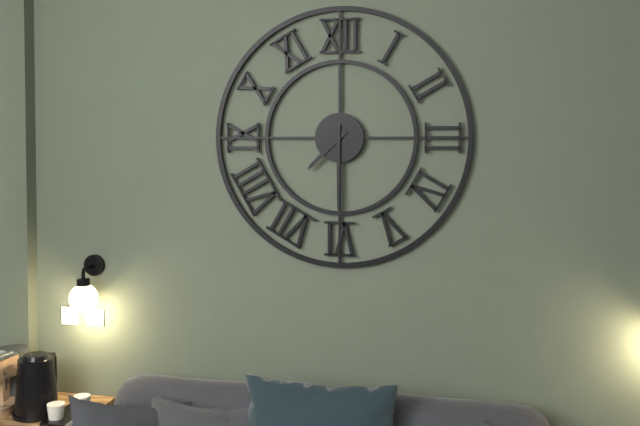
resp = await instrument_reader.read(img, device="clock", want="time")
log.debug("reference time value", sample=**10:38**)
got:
**7:30**
